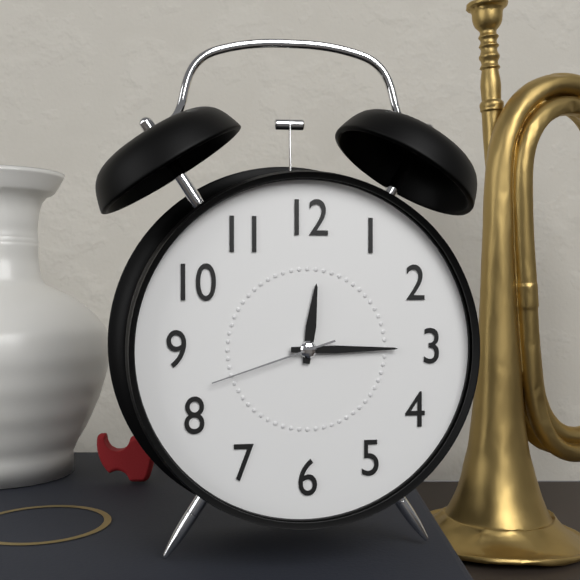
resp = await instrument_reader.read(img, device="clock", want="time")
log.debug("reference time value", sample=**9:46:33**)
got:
**12:15:42**
